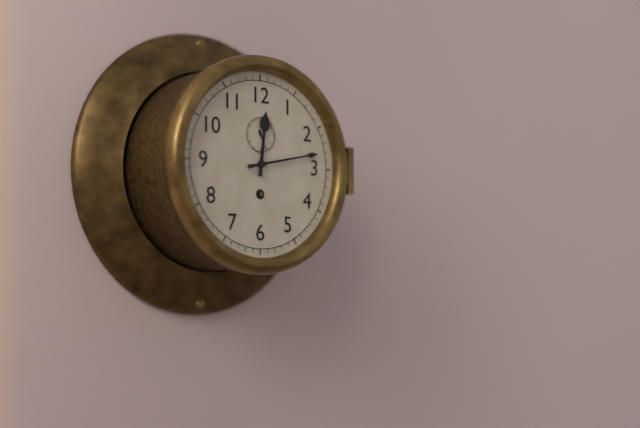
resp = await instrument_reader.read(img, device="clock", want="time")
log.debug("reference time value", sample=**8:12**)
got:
**12:13**
